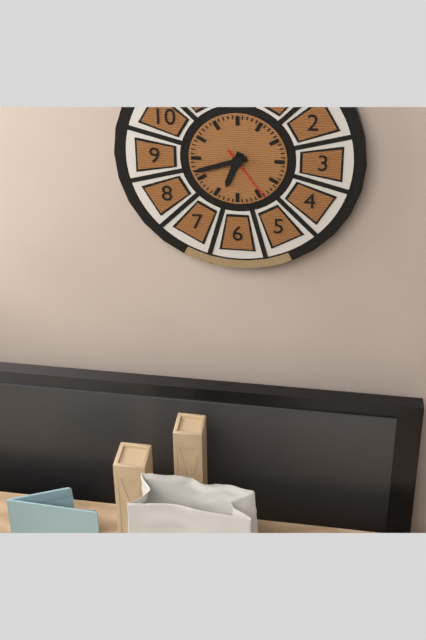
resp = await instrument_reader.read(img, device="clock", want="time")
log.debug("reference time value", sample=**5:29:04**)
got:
**6:42:24**
